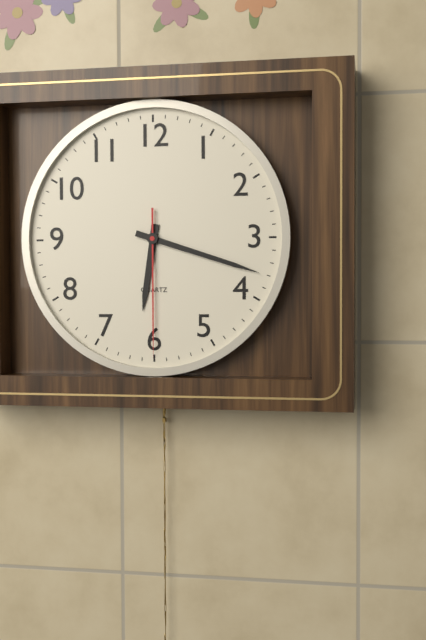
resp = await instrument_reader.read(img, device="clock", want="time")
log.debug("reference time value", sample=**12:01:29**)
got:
**6:18:30**
